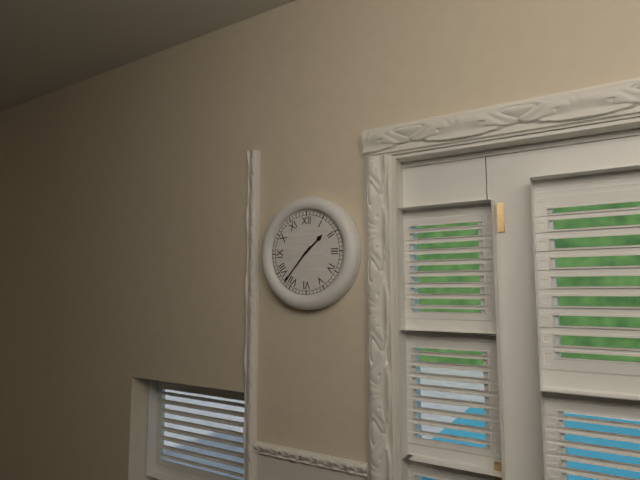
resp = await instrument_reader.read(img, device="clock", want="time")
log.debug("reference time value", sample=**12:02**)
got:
**1:37**
